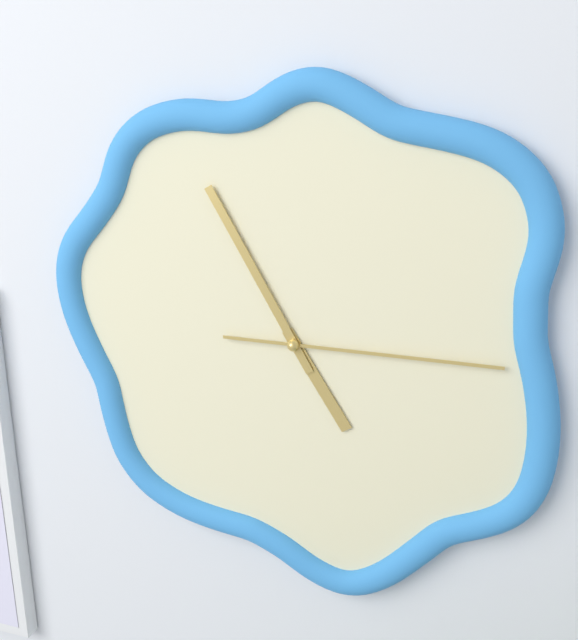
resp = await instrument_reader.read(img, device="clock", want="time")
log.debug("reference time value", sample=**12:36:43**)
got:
**4:55:15**
